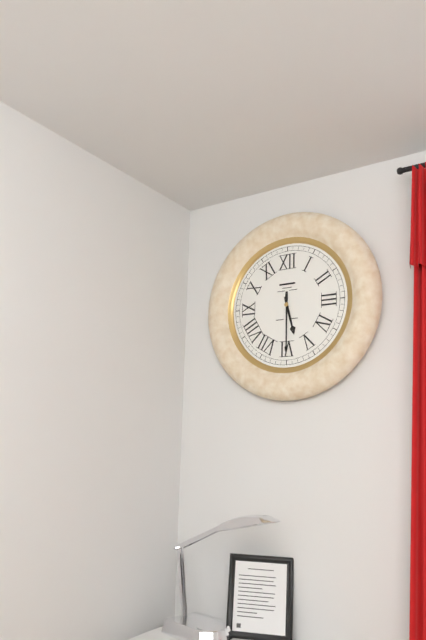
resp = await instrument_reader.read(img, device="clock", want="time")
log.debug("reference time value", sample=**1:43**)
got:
**5:30**
